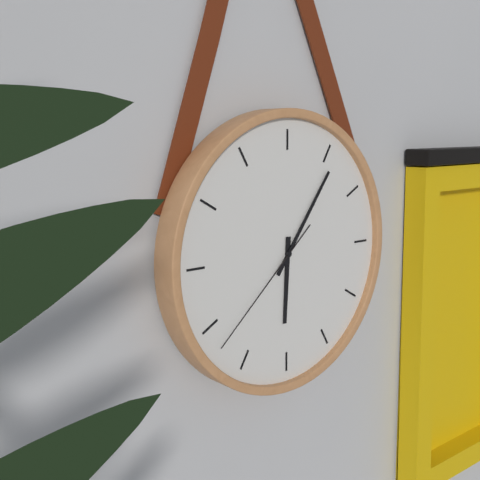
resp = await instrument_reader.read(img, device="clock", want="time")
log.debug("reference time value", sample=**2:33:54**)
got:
**6:06:38**
